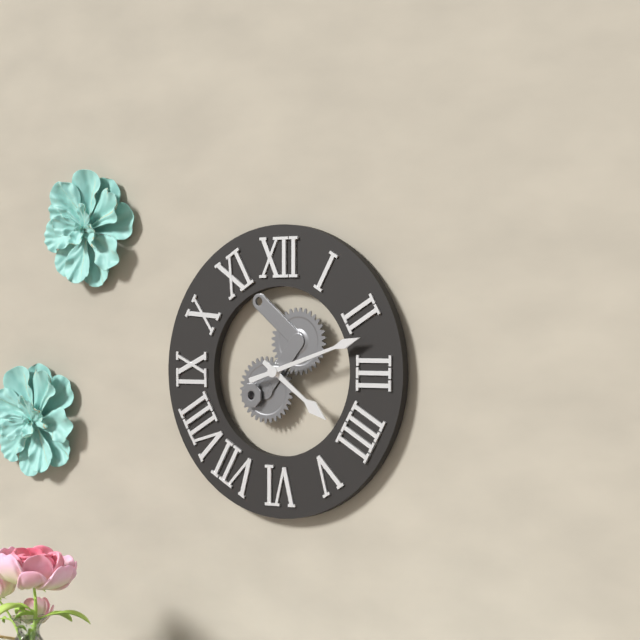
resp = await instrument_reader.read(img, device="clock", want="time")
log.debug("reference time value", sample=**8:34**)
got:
**4:12**
